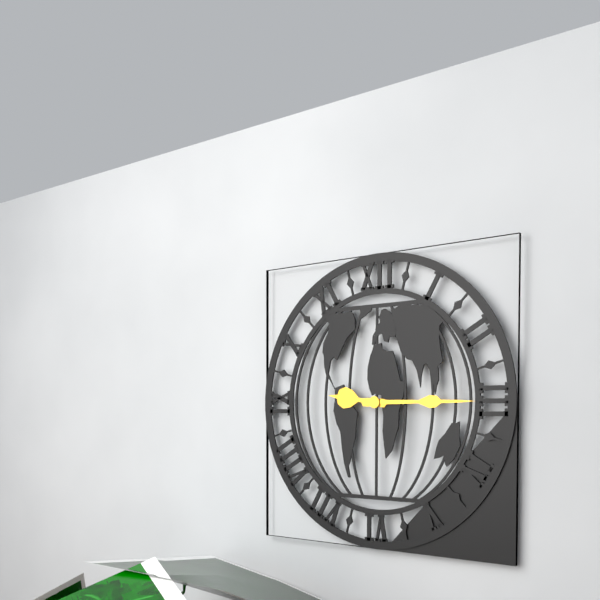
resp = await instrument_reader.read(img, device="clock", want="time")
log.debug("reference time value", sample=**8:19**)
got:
**9:15**
